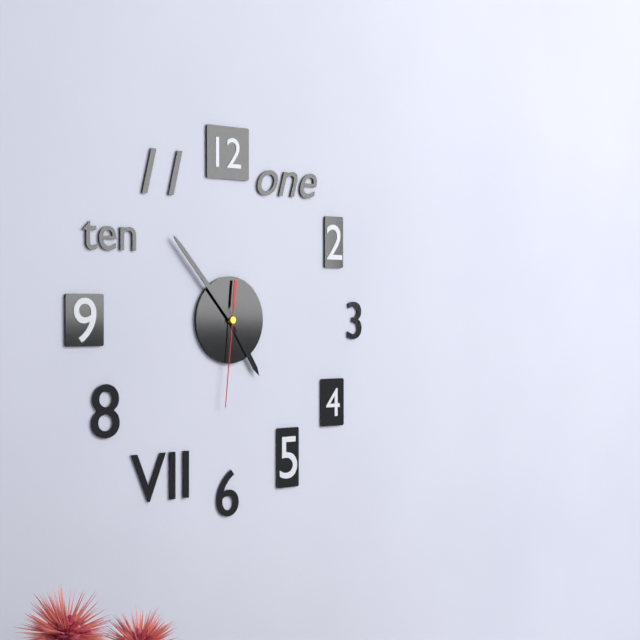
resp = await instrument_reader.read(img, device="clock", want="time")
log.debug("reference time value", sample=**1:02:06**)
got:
**4:53:31**
